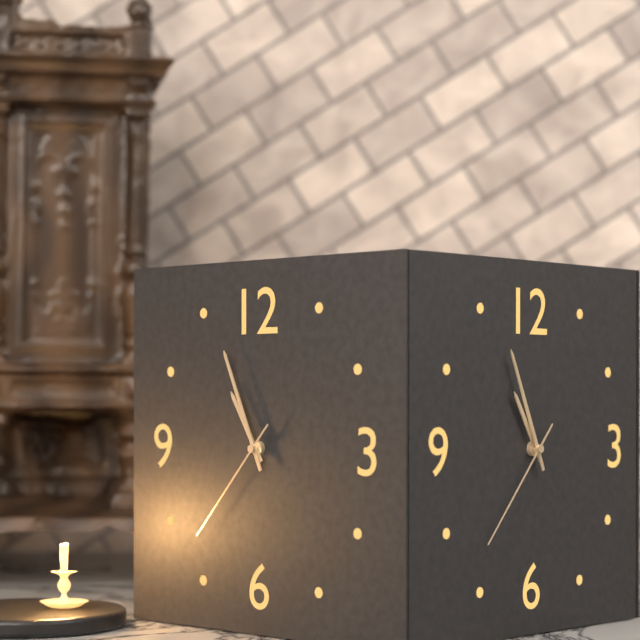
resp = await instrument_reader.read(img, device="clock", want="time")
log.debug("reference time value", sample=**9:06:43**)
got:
**10:56:37**
